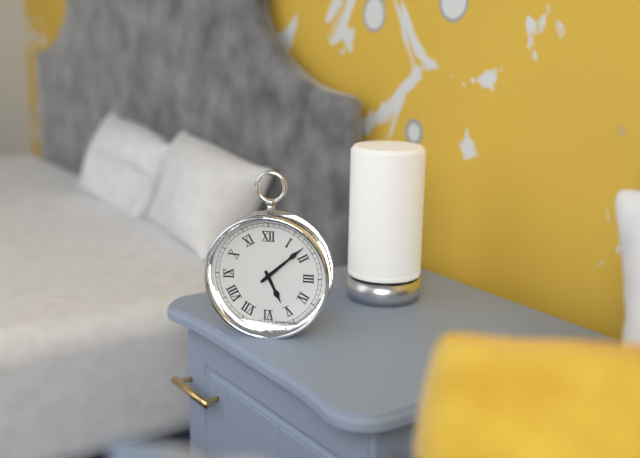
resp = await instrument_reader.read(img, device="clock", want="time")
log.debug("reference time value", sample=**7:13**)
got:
**5:08**
